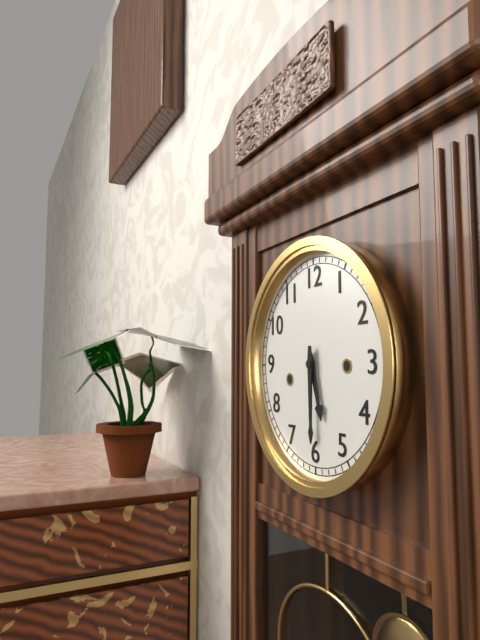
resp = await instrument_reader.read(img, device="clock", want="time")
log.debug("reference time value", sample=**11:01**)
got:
**5:30**
